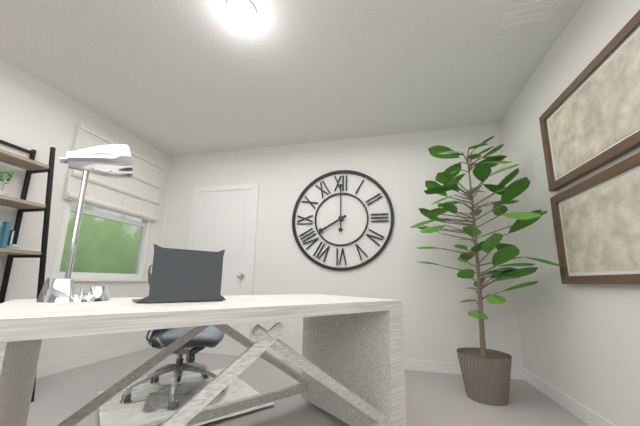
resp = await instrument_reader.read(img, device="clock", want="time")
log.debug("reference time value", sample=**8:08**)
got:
**8:00**
